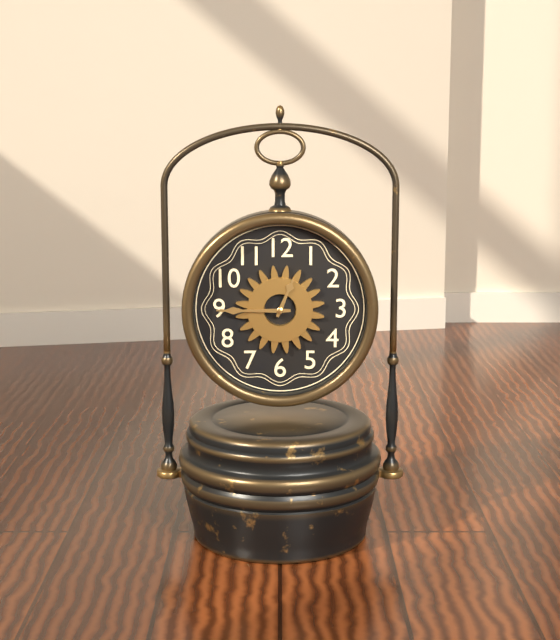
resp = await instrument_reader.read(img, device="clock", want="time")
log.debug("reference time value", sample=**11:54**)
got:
**12:45**
